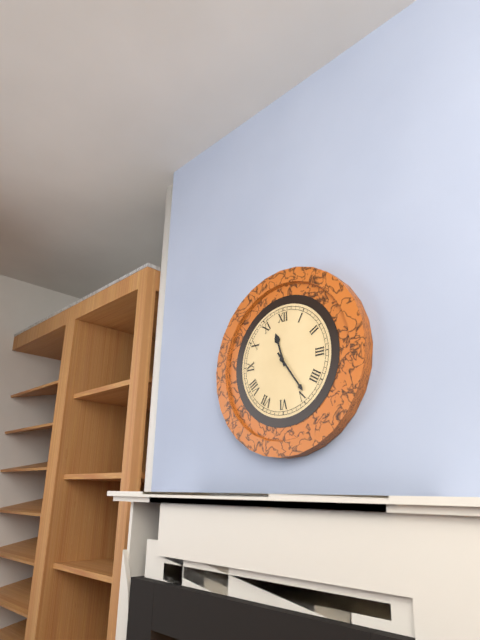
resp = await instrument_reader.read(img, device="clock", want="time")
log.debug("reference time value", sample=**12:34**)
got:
**11:24**
